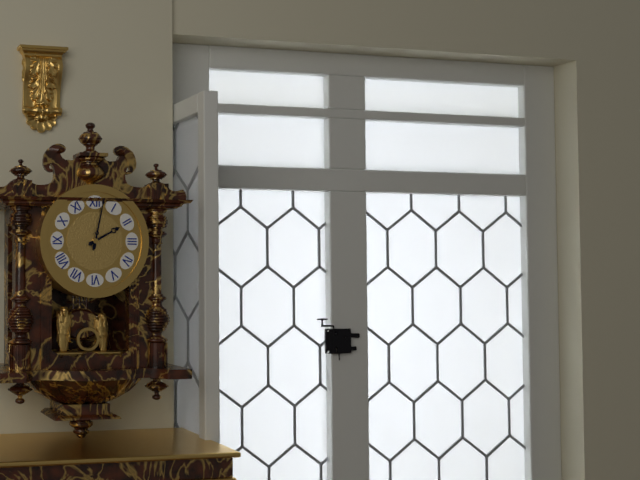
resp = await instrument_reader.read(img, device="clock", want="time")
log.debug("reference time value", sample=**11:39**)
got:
**2:02**
